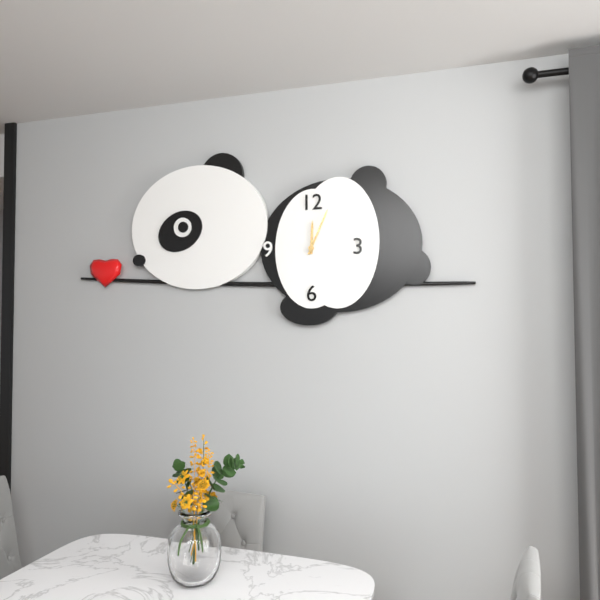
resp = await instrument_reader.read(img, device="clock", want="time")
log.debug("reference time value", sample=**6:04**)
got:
**12:04**
